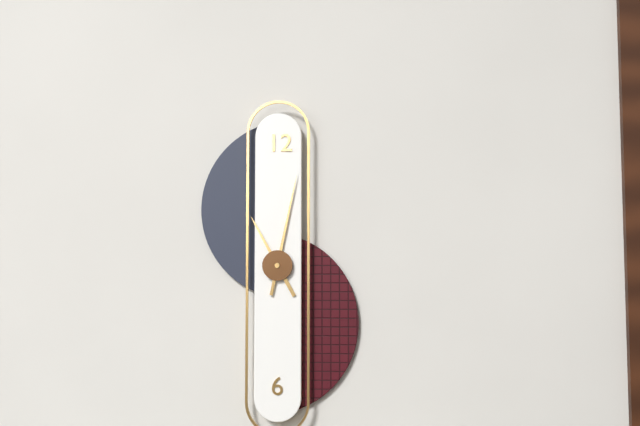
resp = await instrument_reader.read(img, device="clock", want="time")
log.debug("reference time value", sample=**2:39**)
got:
**11:02**
